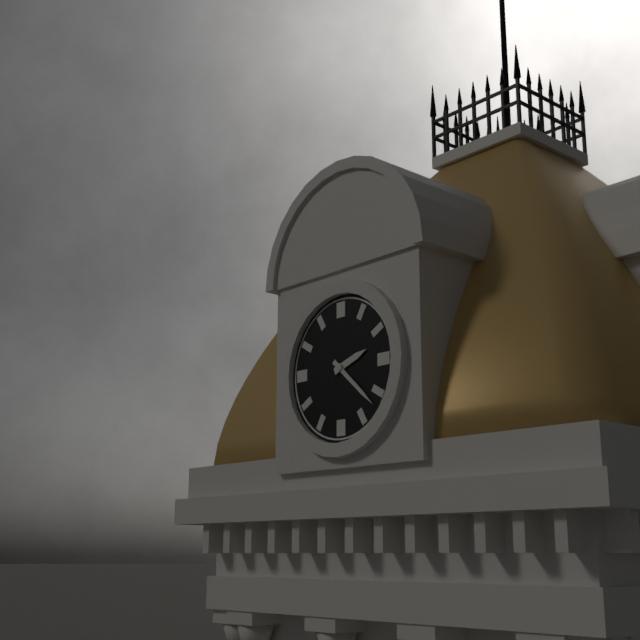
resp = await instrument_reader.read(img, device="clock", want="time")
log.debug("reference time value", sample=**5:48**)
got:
**2:22**
